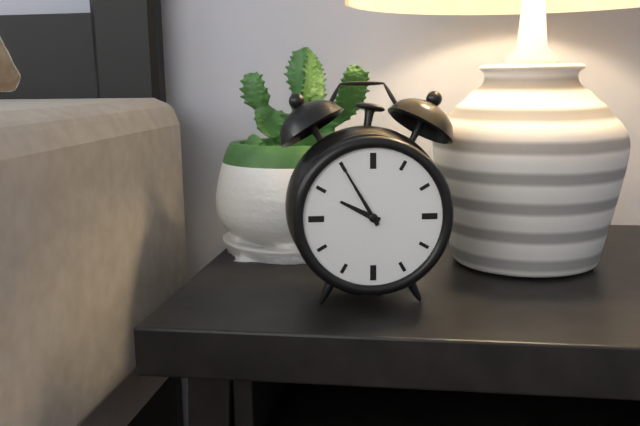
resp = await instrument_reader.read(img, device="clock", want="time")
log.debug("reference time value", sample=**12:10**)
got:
**9:55**
